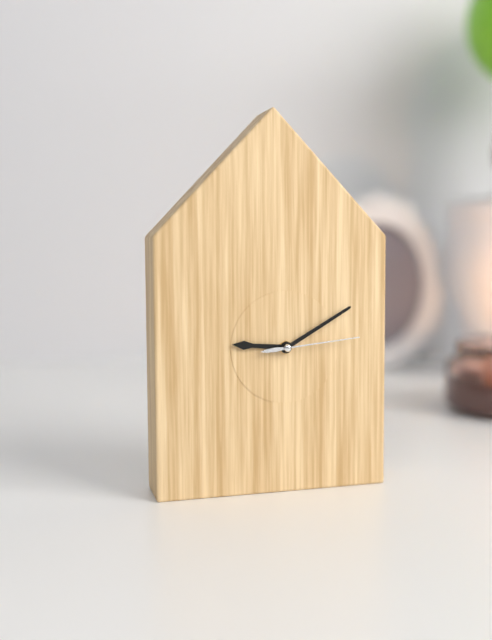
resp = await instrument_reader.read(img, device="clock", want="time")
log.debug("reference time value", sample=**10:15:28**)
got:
**9:10:14**
